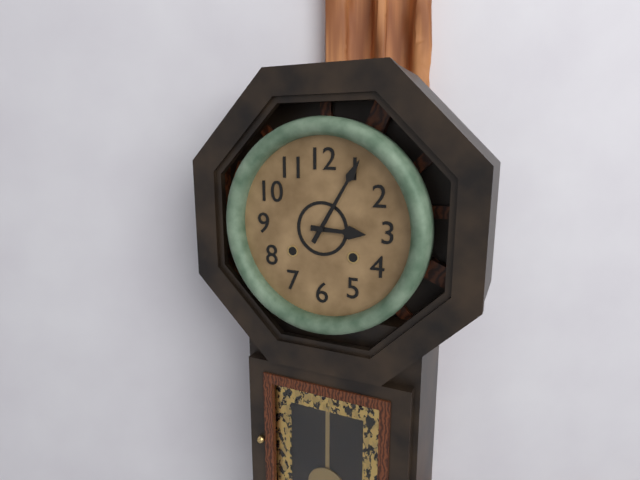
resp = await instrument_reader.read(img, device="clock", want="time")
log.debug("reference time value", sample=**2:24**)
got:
**3:05**
